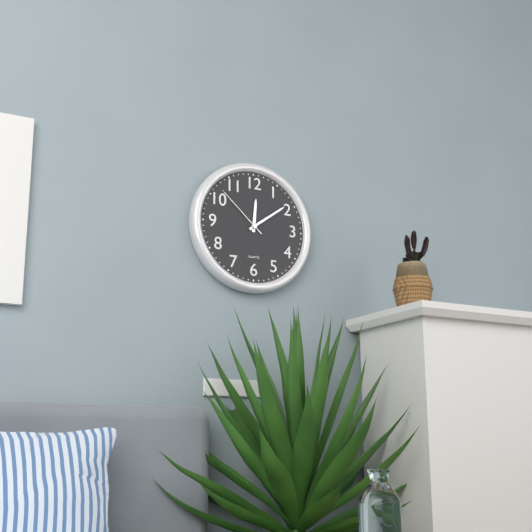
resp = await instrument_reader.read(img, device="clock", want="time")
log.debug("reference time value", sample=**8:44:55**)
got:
**12:09:52**
